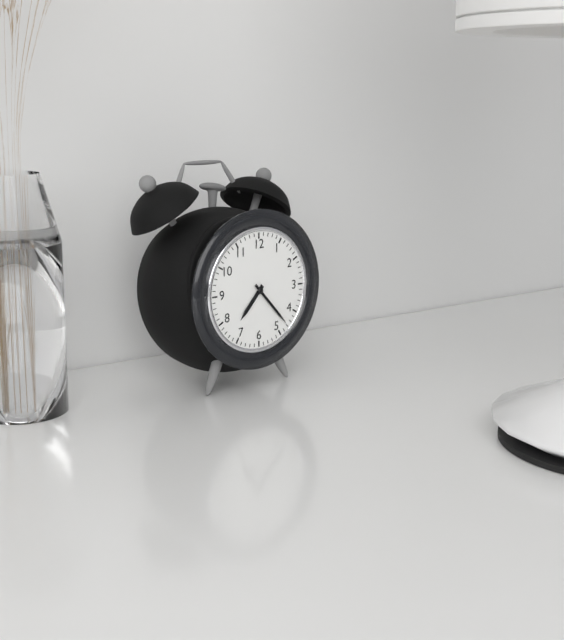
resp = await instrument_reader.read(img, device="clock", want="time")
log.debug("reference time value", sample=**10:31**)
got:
**7:23**
